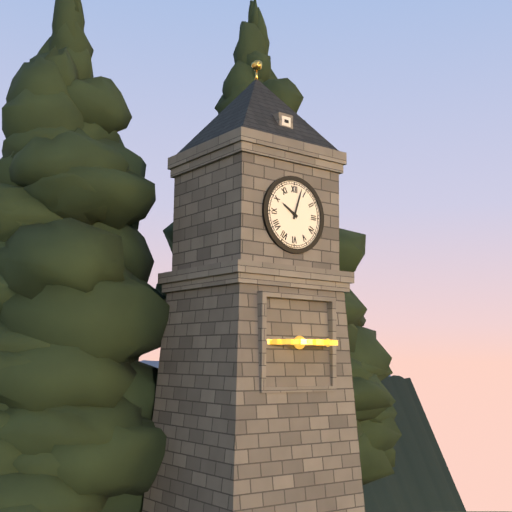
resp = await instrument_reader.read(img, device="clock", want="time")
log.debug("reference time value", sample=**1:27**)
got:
**10:03**
